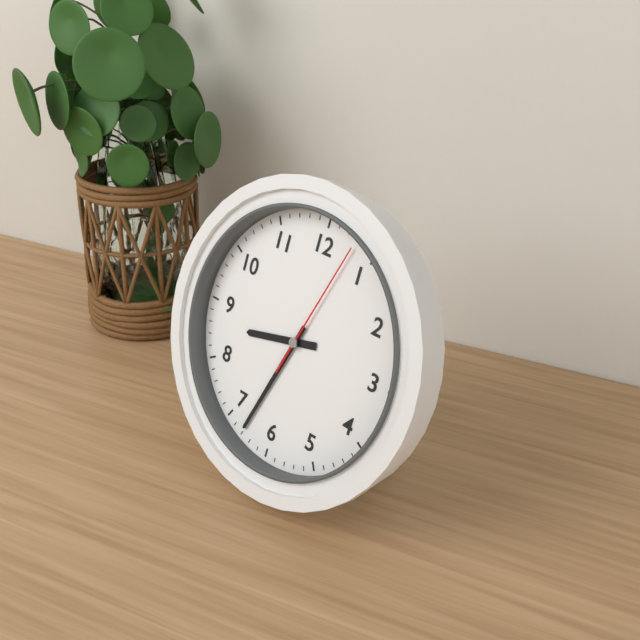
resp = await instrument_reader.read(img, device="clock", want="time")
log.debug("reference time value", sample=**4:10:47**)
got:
**8:33:03**
